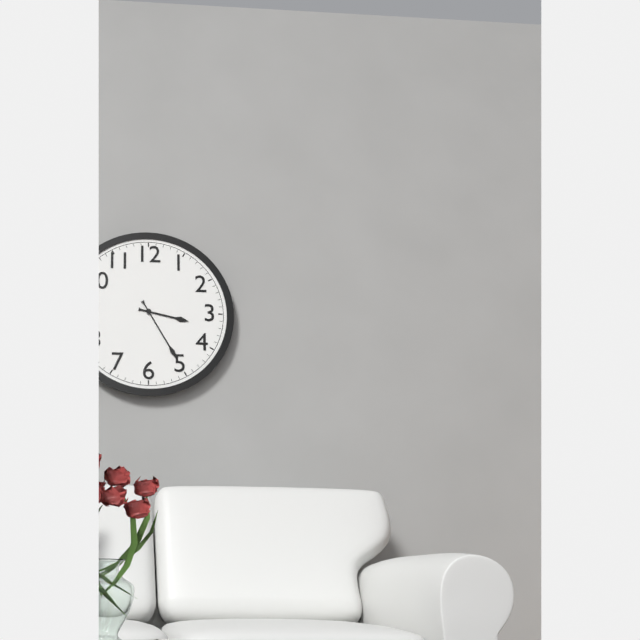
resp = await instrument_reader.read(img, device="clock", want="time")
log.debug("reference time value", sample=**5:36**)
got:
**3:25**
